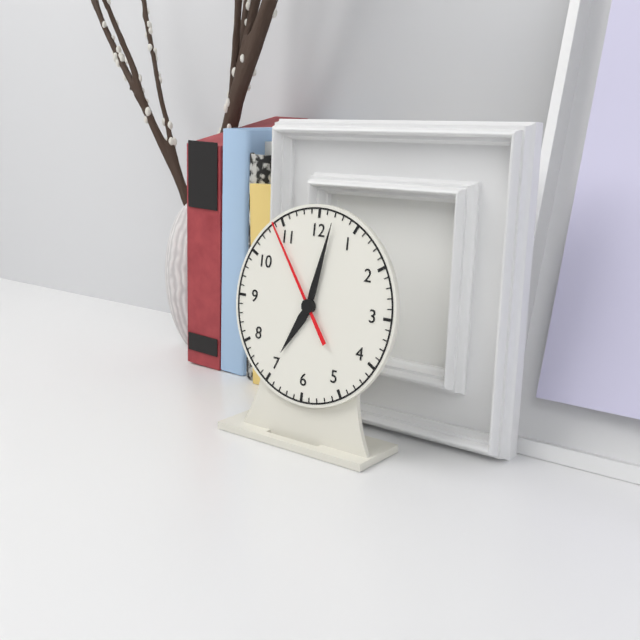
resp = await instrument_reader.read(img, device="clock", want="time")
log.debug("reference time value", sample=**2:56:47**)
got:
**7:02:54**
